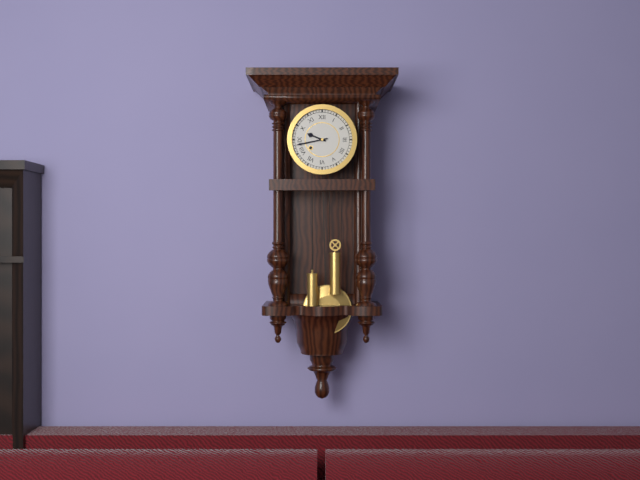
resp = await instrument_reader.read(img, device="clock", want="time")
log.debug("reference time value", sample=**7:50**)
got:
**9:43**
